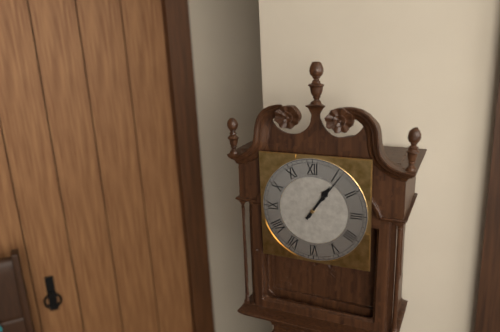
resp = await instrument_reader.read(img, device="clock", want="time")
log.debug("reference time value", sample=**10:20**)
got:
**1:06**
